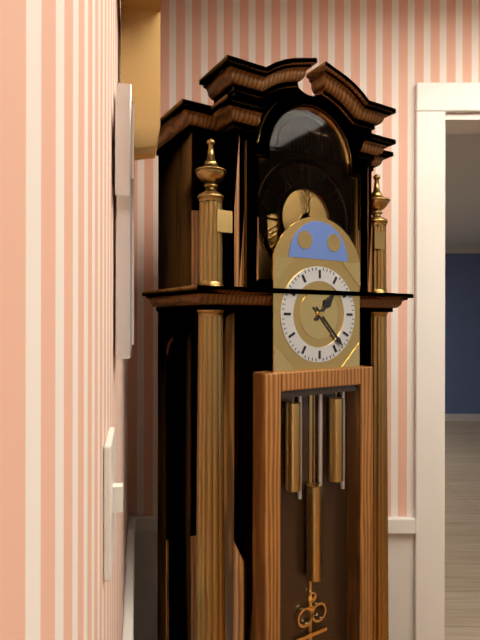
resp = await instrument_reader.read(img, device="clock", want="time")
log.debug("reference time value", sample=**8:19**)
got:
**1:23**
